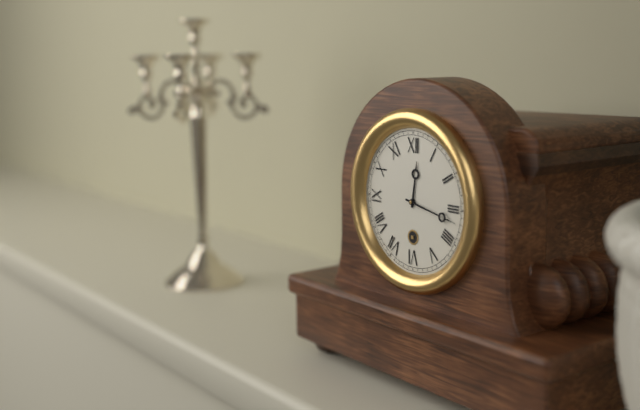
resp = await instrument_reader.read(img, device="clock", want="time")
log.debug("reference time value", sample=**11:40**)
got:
**12:17**
